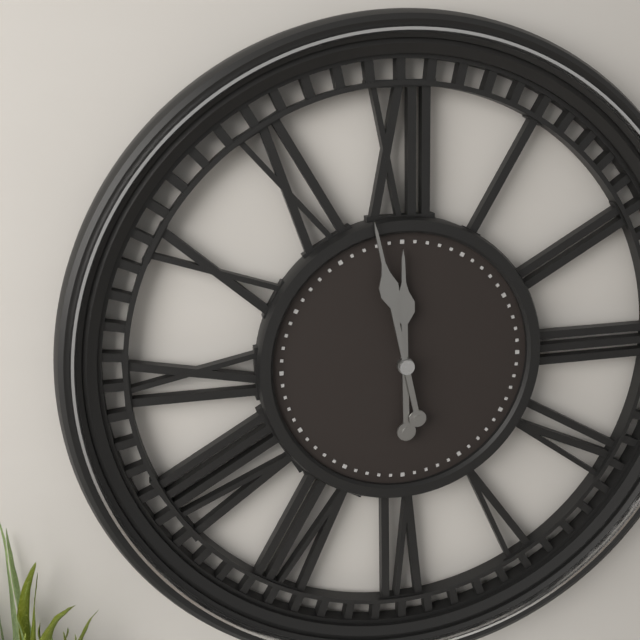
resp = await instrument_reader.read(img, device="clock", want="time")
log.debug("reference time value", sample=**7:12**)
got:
**11:58**
